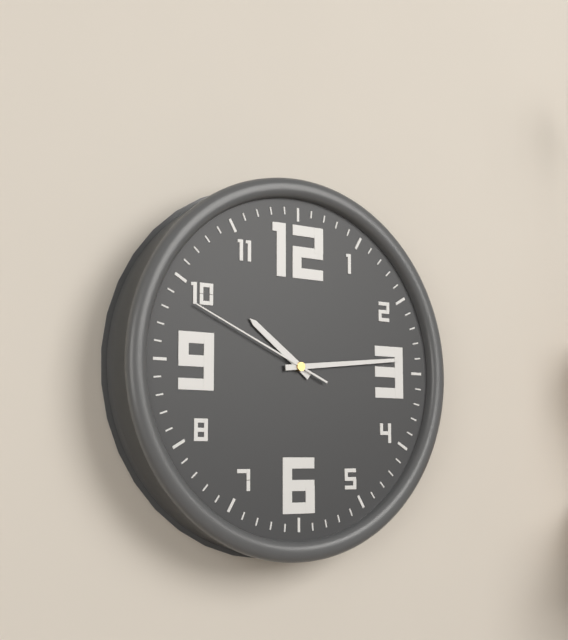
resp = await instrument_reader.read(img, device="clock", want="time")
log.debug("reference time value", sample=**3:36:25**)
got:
**10:14:49**
